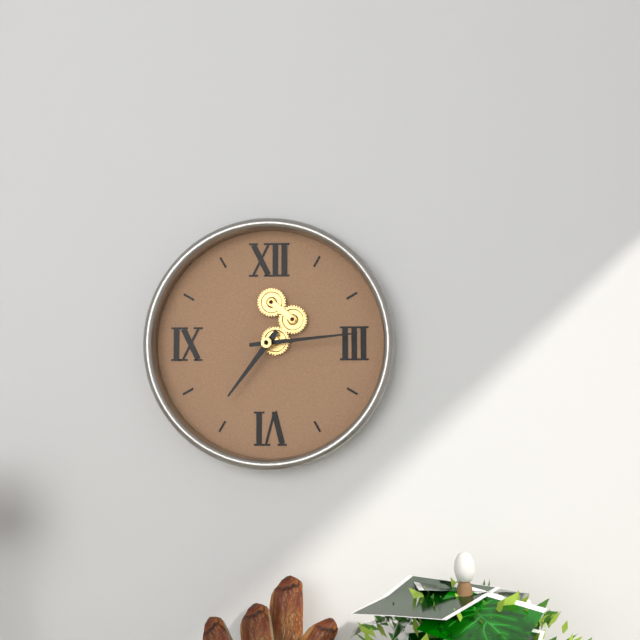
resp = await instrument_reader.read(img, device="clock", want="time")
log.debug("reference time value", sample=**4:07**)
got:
**7:14**
